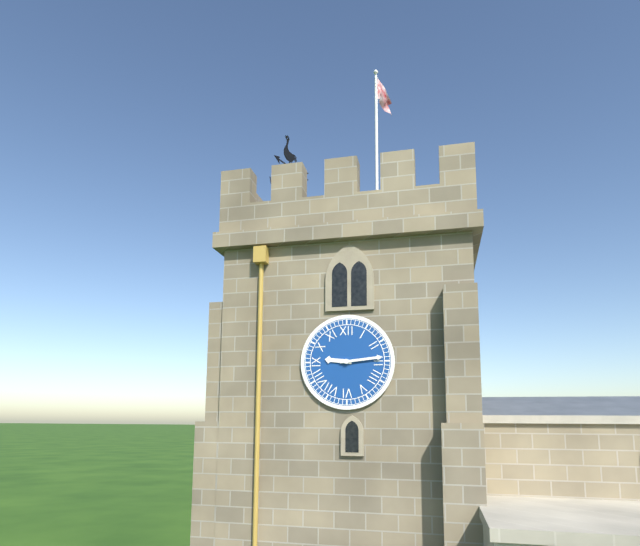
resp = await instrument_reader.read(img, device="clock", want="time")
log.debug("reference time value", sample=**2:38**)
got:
**9:14**
